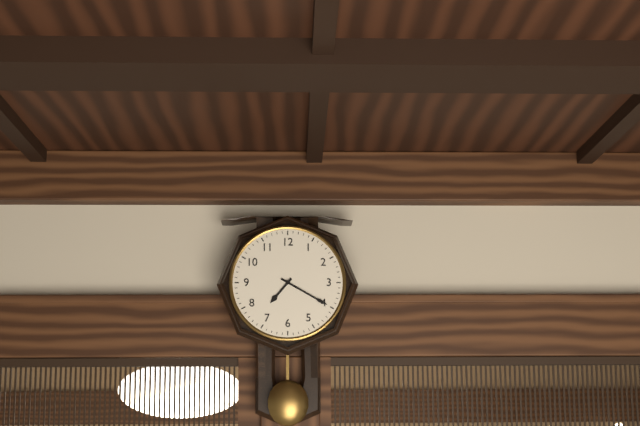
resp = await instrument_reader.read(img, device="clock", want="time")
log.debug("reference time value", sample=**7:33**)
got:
**7:20**
